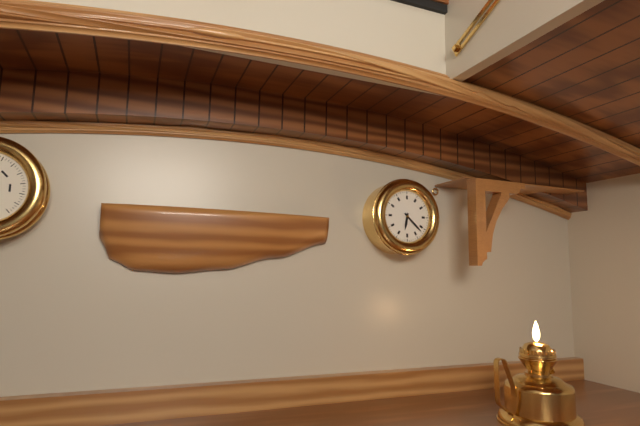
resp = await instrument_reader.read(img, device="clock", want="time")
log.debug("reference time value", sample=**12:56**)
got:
**6:22**
